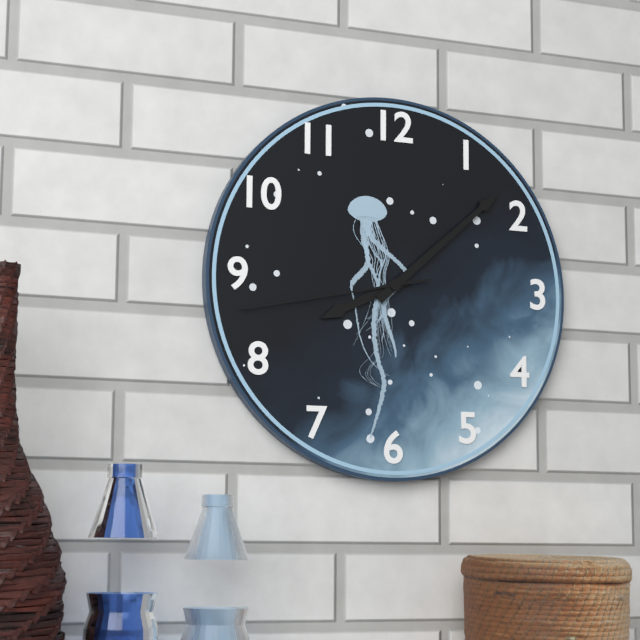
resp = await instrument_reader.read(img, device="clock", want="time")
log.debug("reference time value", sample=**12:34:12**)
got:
**8:08:43**
